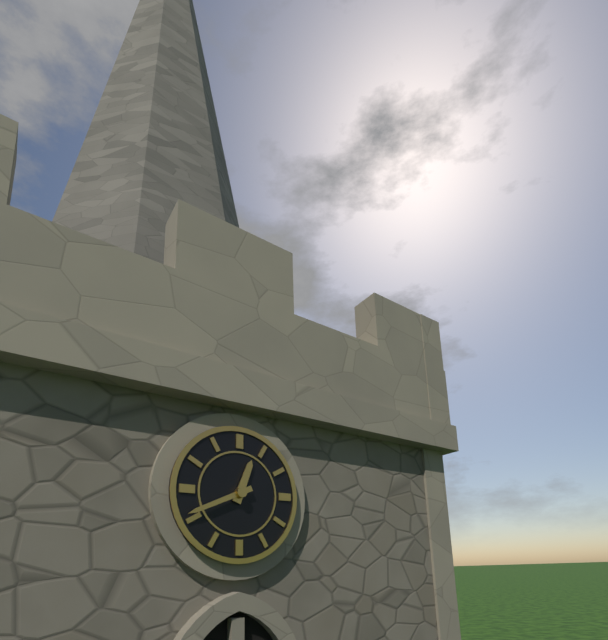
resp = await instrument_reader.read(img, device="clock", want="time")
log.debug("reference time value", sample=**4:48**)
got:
**12:41**
